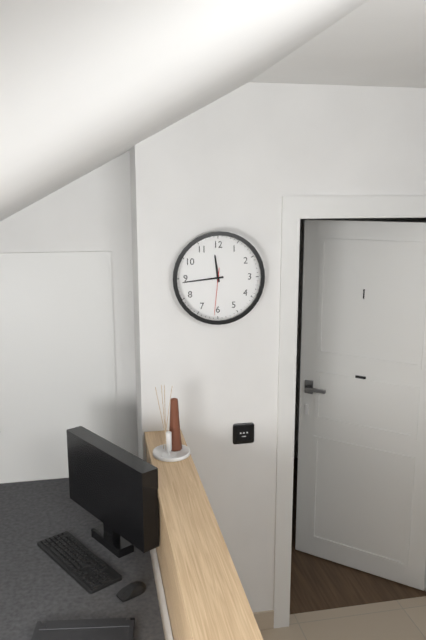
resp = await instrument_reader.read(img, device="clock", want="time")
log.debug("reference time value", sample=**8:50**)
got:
**11:44**
